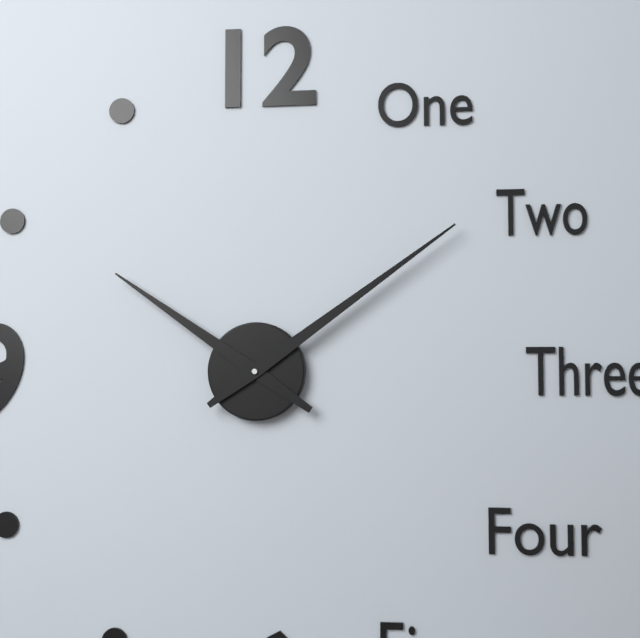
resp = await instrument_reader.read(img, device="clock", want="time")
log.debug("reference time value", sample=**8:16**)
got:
**10:09**
